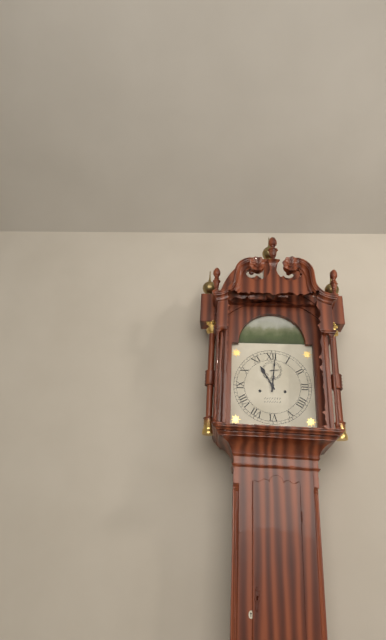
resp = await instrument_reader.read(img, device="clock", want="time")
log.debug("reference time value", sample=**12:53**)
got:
**11:01**
